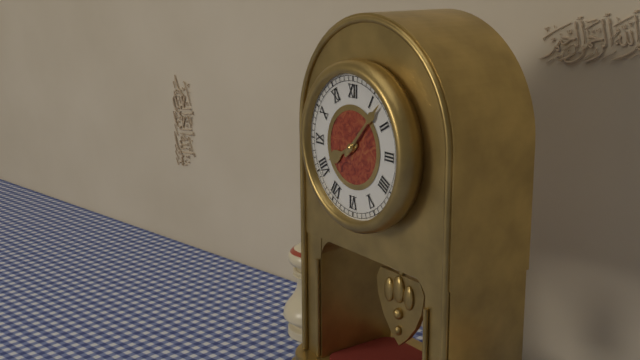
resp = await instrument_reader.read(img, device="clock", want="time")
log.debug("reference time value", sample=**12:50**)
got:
**8:07**
